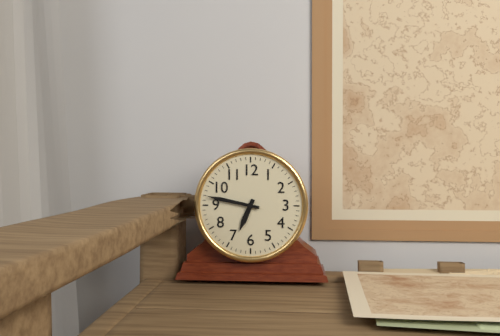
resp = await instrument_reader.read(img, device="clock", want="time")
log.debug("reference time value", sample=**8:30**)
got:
**6:47**
